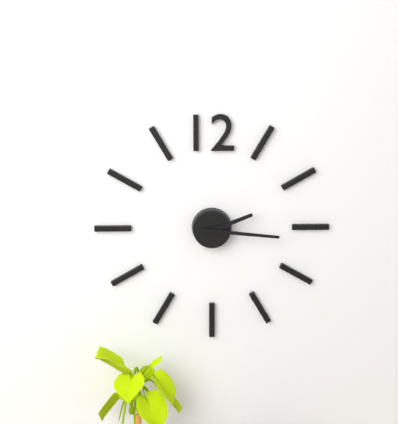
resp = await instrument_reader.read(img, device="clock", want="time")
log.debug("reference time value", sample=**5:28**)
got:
**2:16**
